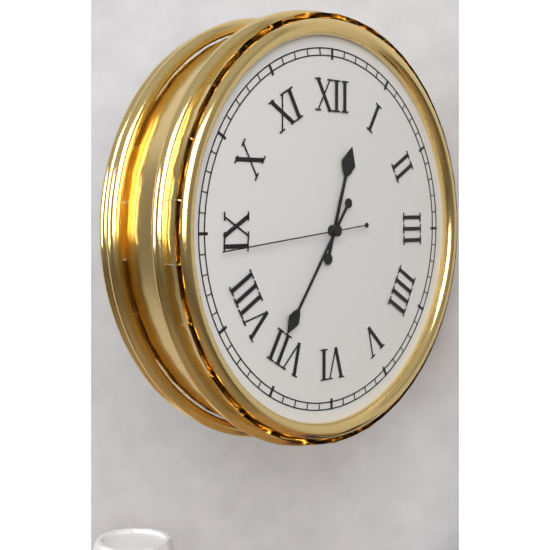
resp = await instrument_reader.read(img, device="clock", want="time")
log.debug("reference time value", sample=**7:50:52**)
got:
**12:36:44**
